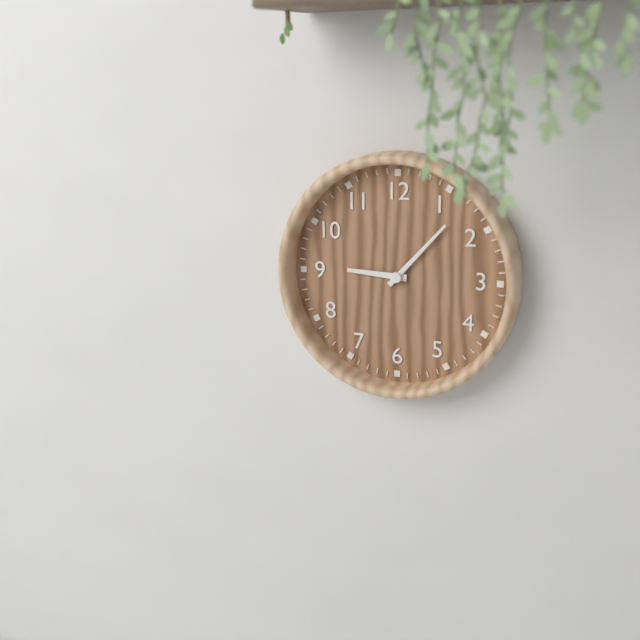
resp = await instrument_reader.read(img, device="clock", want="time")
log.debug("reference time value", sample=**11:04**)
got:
**9:07**
